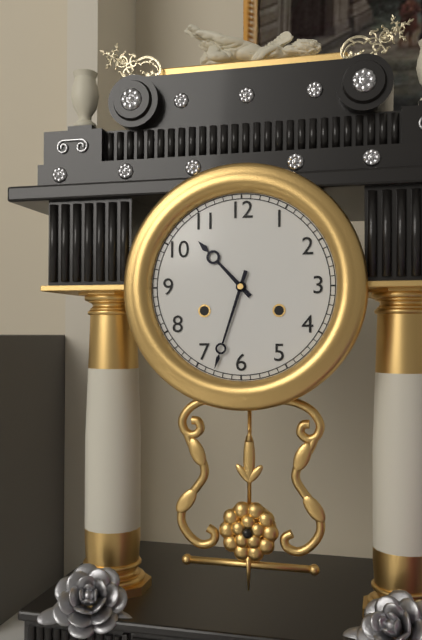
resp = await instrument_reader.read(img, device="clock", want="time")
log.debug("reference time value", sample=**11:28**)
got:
**10:33**
